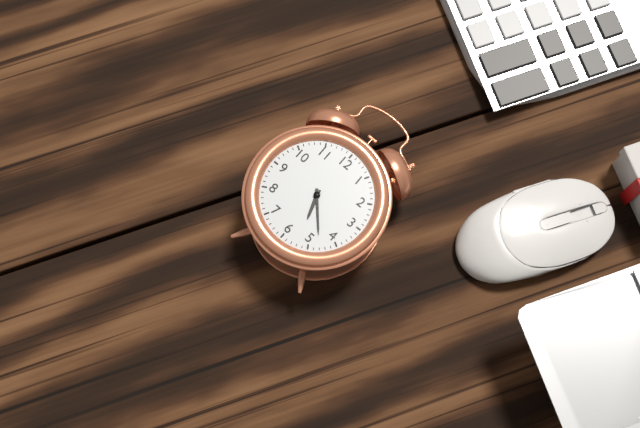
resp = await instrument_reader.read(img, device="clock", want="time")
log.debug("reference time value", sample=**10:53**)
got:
**5:23**
